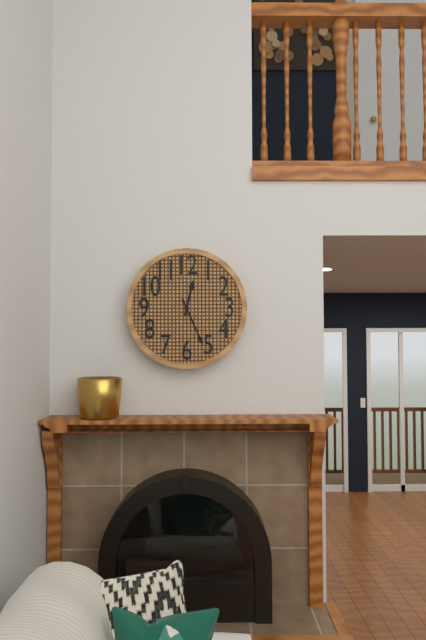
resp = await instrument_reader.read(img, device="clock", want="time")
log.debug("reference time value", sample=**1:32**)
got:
**12:26**
